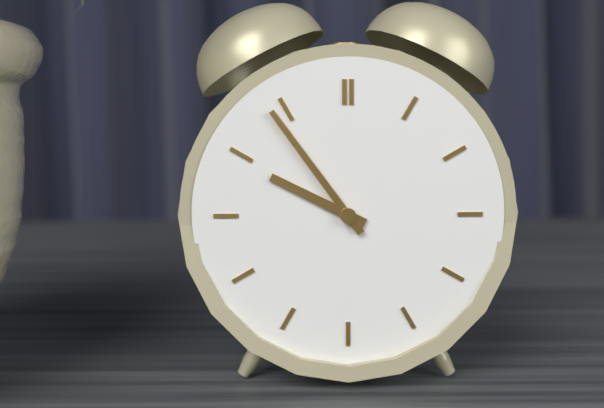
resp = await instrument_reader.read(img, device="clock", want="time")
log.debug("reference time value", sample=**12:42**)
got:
**9:54**
